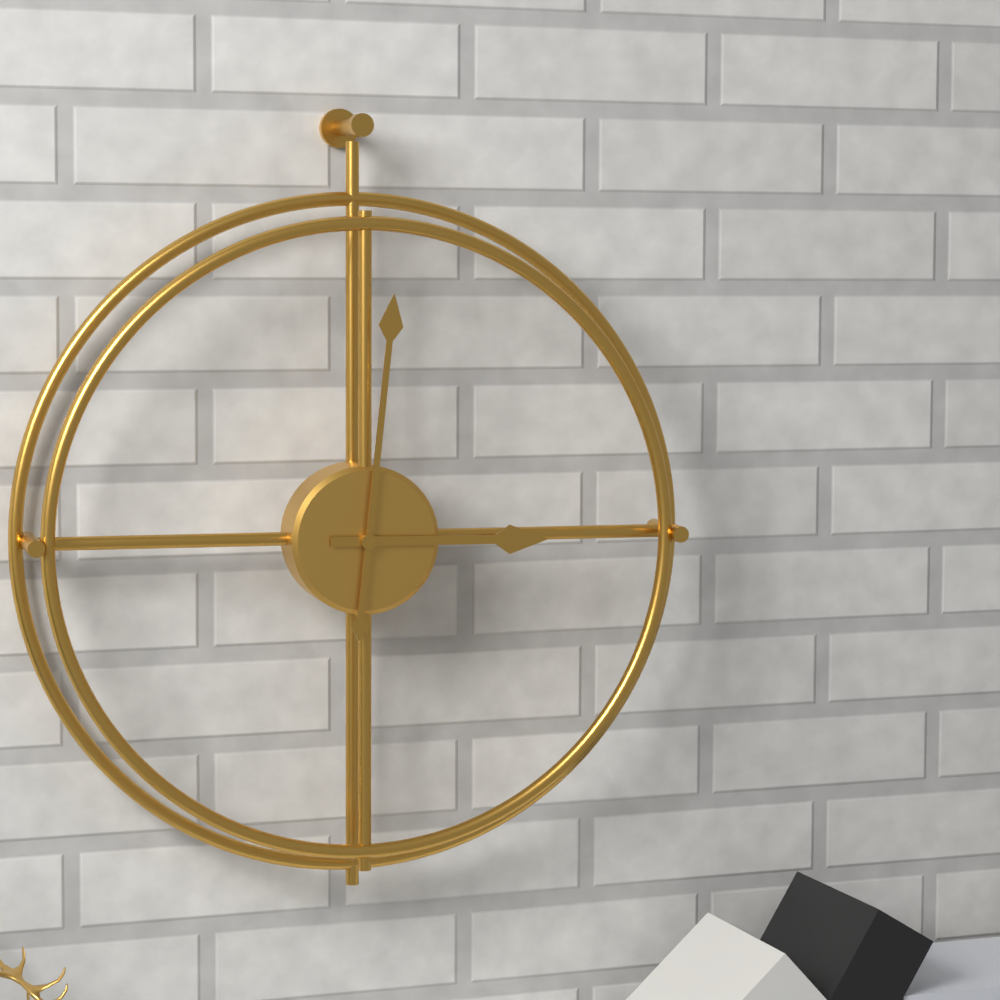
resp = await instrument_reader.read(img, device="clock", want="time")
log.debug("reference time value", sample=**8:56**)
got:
**3:01**
